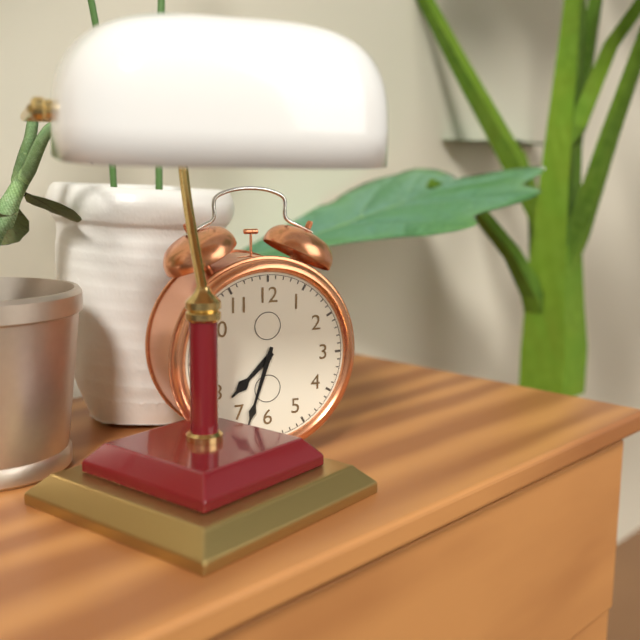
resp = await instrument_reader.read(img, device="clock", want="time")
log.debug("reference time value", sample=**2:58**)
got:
**7:33**
